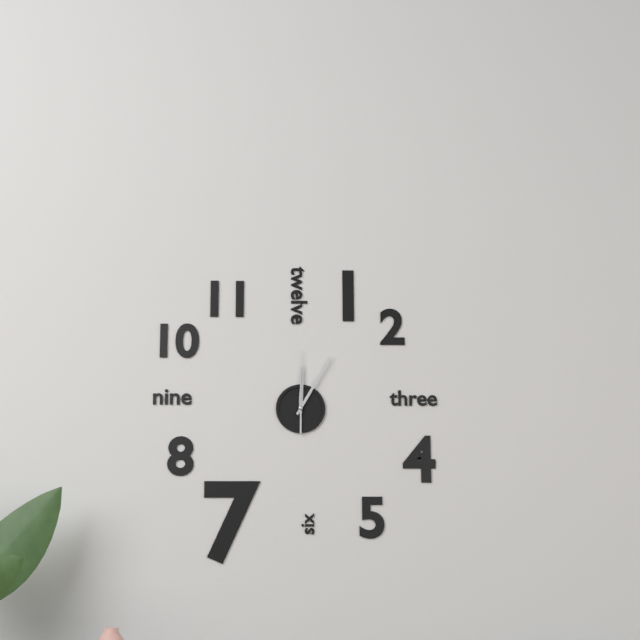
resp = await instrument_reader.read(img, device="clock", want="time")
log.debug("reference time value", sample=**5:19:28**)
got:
**12:05:00**
